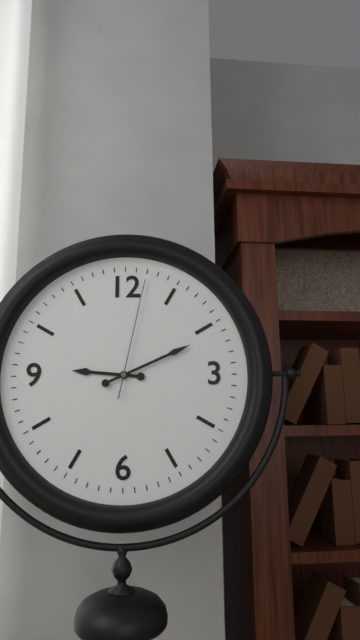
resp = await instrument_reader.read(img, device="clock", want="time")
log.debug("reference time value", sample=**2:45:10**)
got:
**9:11:02**
